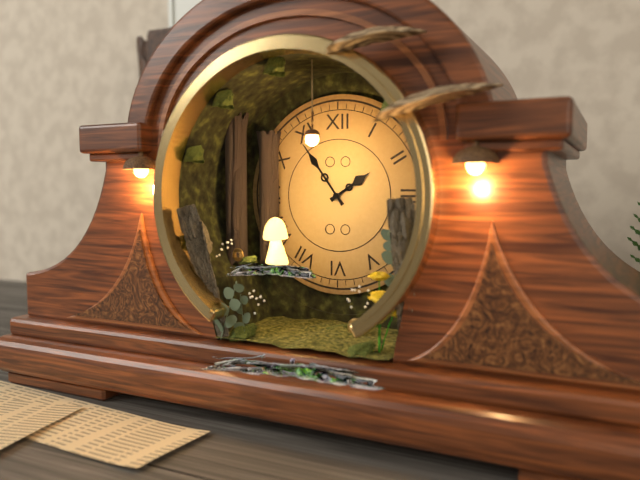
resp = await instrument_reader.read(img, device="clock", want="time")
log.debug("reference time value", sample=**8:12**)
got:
**1:54**
